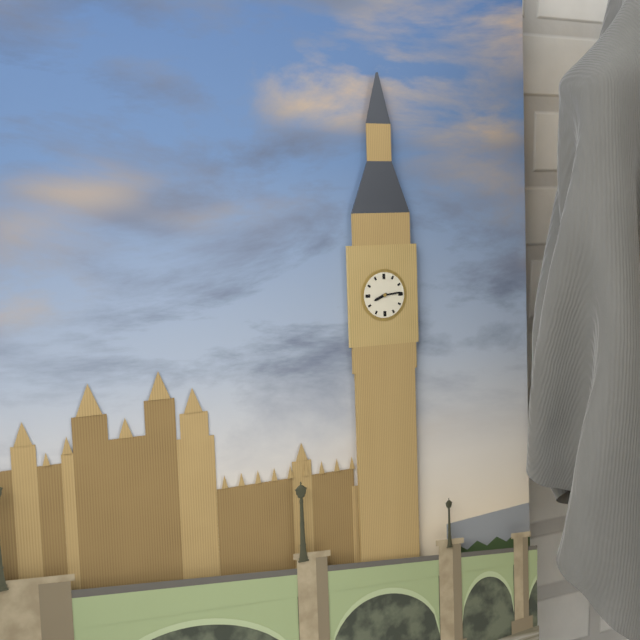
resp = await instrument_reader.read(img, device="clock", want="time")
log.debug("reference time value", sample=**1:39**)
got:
**8:14**
